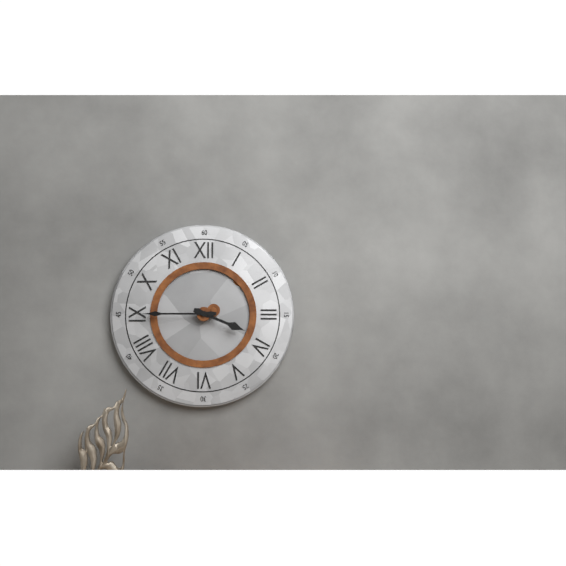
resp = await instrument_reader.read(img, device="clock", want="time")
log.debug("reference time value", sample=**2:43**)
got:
**3:45**
